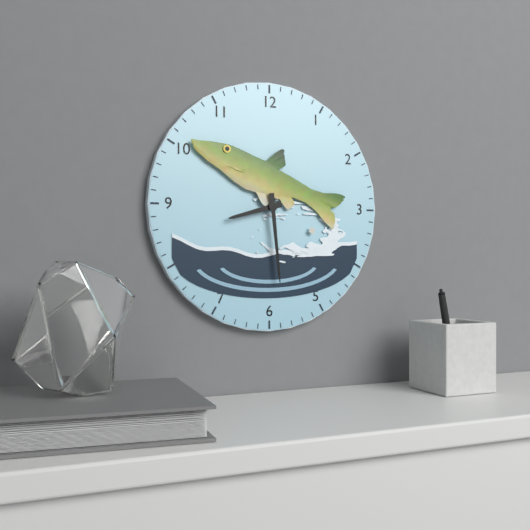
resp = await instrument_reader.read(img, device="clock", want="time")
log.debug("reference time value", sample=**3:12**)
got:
**8:29**
